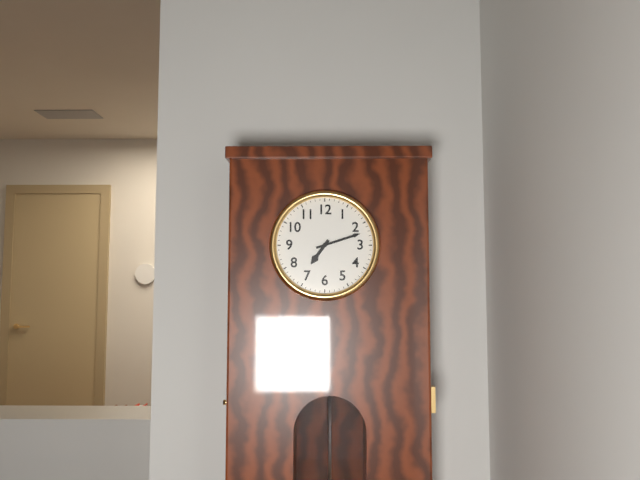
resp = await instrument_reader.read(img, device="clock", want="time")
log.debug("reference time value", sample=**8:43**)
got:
**7:12**
